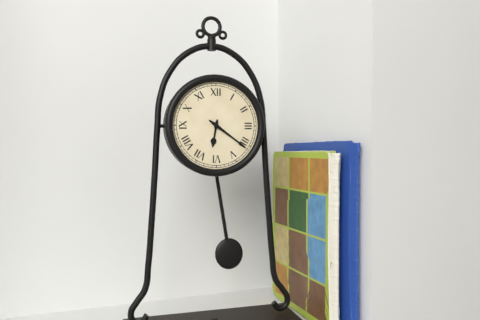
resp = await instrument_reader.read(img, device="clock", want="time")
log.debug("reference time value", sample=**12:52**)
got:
**6:21**
